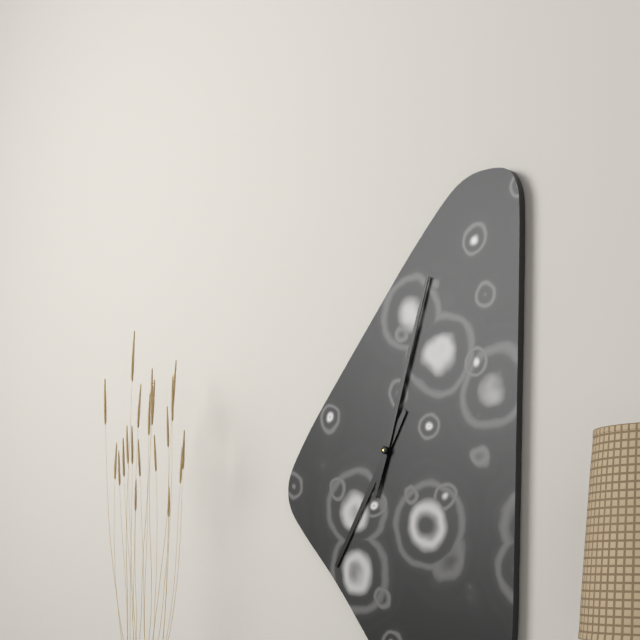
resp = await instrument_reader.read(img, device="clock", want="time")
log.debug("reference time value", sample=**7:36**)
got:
**7:03**
